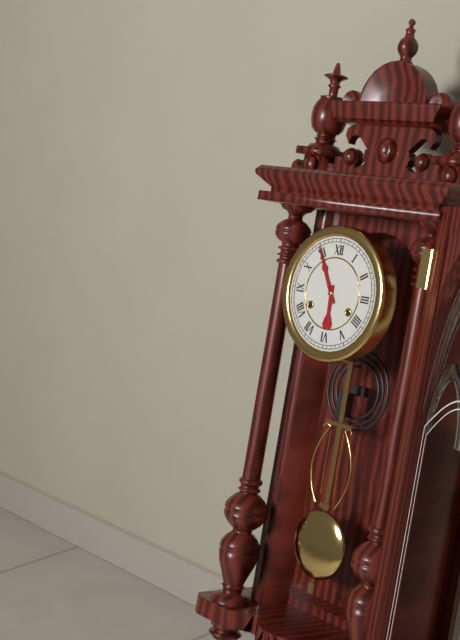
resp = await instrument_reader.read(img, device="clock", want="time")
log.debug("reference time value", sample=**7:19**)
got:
**5:55**
